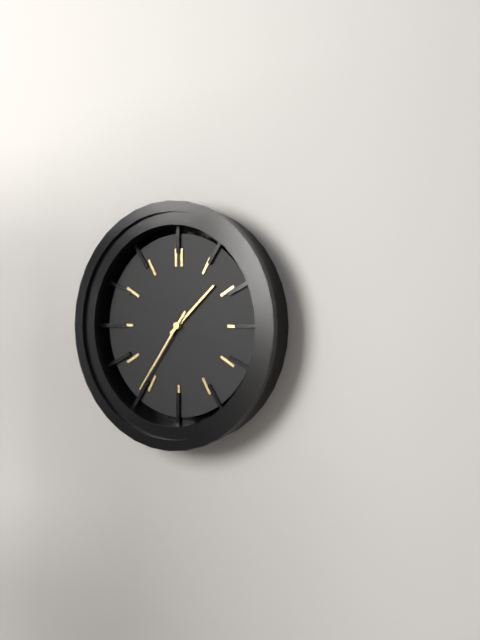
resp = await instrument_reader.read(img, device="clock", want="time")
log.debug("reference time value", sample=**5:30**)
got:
**1:36**
